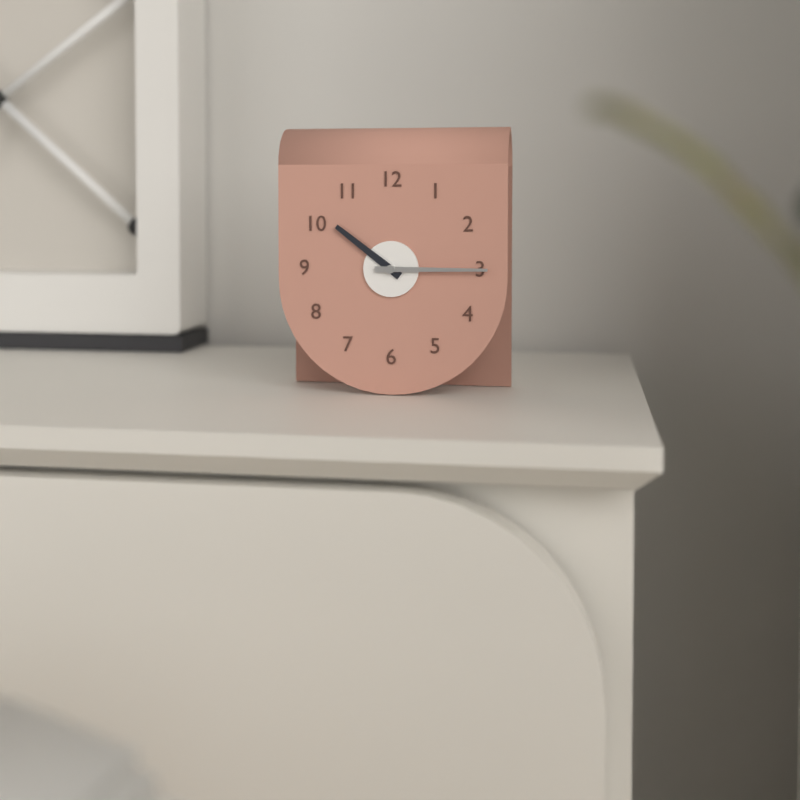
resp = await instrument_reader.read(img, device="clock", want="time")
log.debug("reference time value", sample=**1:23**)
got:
**10:15**
